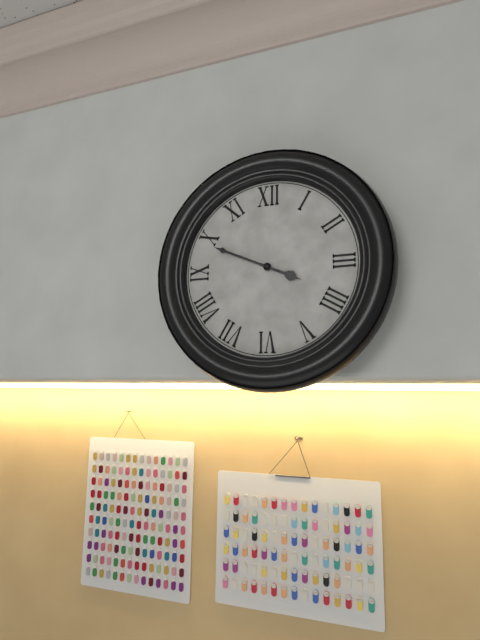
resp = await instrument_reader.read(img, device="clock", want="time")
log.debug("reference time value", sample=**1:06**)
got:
**3:49**
